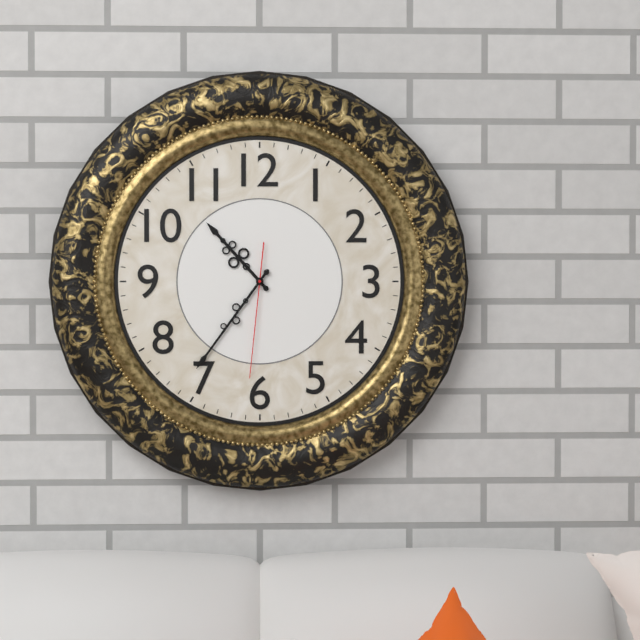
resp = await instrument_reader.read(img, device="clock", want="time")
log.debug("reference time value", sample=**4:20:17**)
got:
**10:36:31**
